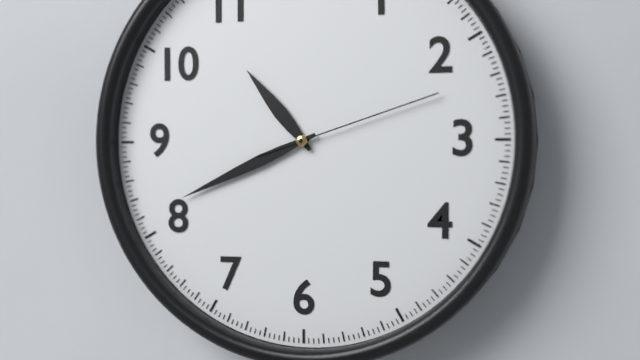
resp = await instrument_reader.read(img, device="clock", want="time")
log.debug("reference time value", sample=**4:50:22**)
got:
**10:41:12**
